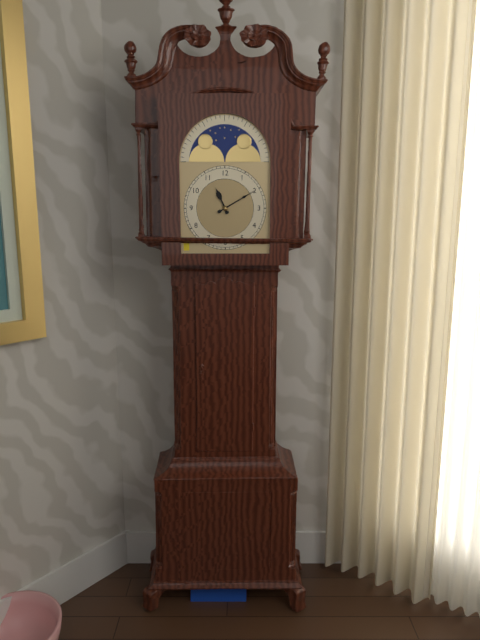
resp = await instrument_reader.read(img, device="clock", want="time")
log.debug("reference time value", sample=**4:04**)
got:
**11:10**
